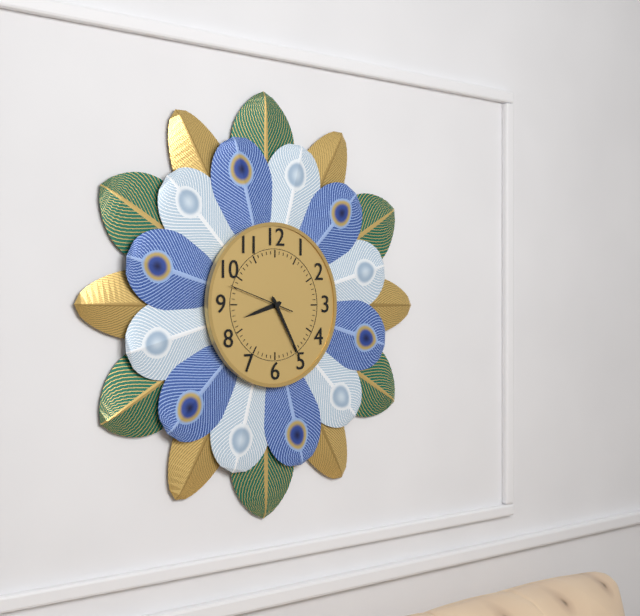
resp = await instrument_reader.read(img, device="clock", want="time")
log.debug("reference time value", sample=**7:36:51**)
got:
**8:25:48**
